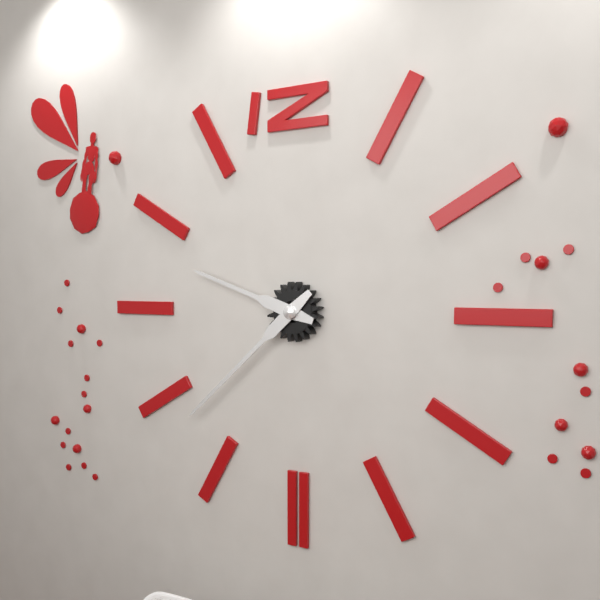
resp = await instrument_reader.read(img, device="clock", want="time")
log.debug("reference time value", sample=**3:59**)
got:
**9:38**
